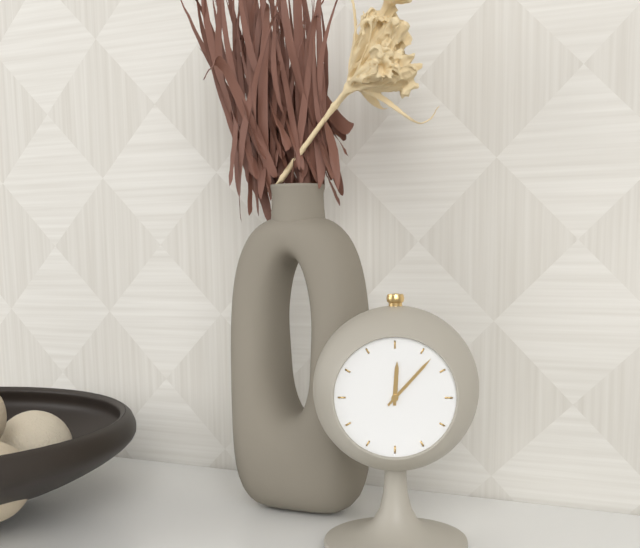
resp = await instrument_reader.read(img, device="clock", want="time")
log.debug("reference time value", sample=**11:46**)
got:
**12:07**
